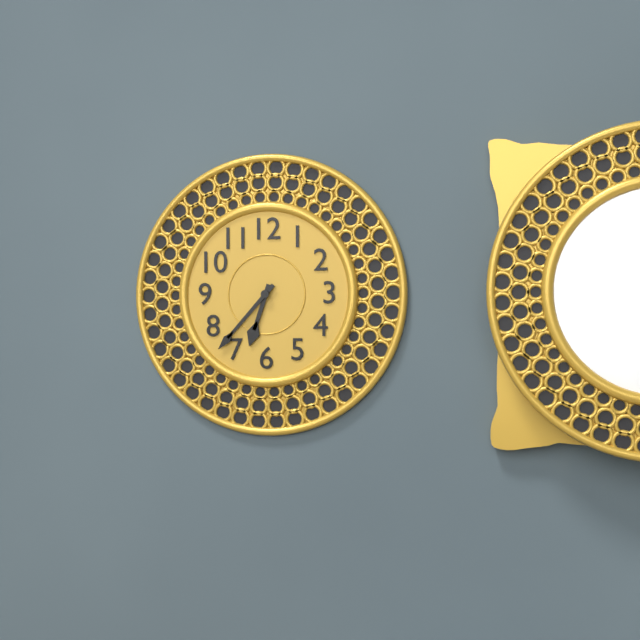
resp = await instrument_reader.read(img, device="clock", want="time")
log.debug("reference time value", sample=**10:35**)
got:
**6:37**
